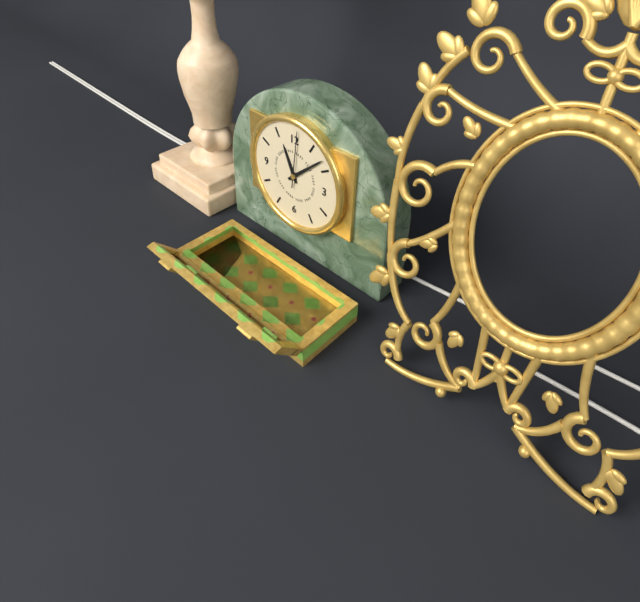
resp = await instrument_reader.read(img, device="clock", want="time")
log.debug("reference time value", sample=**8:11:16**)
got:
**11:08:01**
